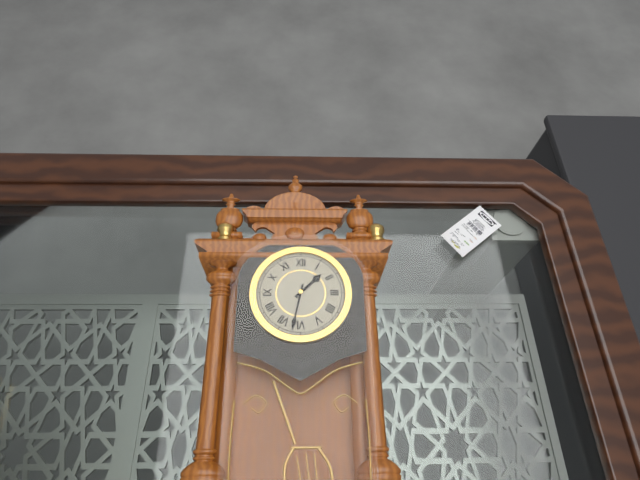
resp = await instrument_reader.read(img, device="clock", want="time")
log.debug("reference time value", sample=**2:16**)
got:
**1:32**
